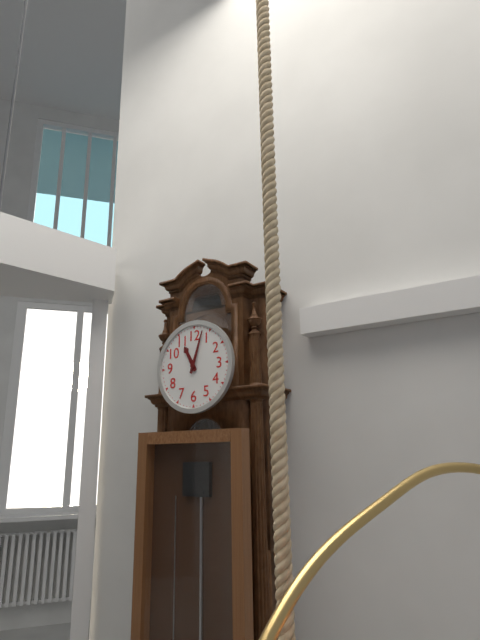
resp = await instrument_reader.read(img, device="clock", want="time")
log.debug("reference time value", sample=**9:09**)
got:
**11:03**
